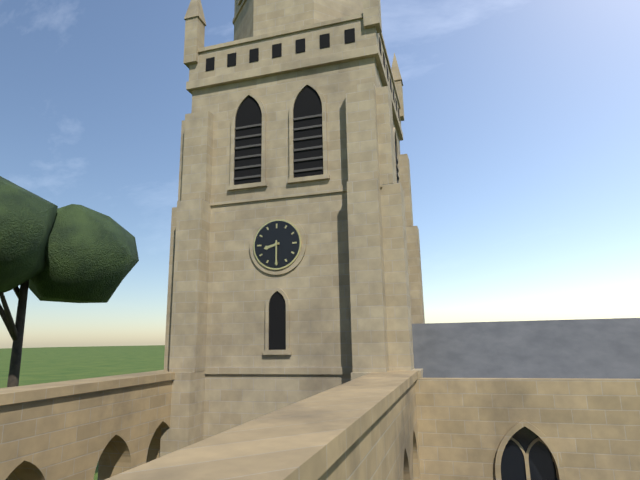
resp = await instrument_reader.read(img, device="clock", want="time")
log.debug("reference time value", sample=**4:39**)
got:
**8:30**
